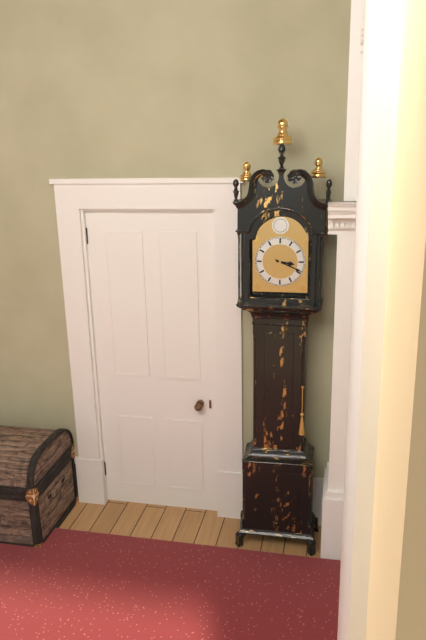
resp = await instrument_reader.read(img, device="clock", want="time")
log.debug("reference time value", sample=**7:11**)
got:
**3:19**
